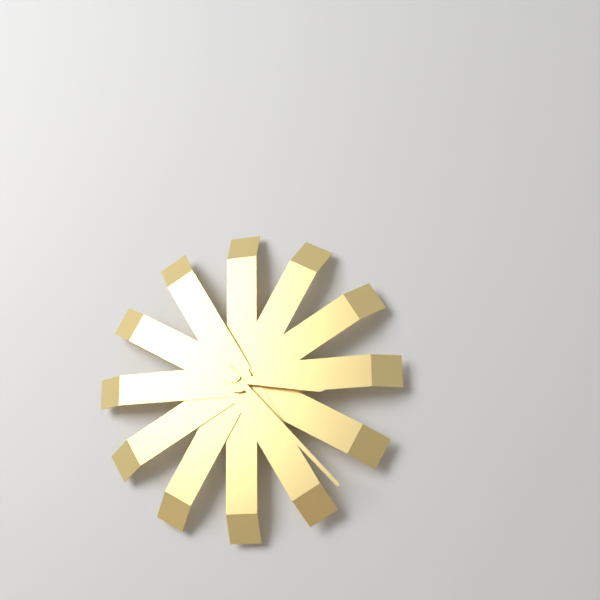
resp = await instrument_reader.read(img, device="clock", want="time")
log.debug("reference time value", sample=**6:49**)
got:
**3:23**
